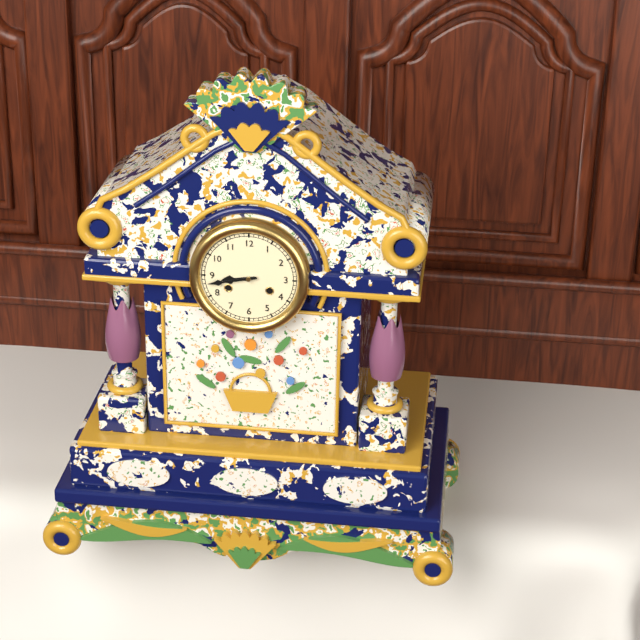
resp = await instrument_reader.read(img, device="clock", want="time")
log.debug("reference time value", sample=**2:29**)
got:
**8:43**
